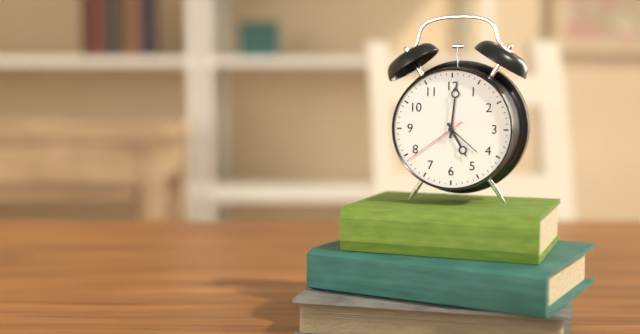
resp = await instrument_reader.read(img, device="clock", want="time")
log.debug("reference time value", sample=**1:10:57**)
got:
**5:01:39**
